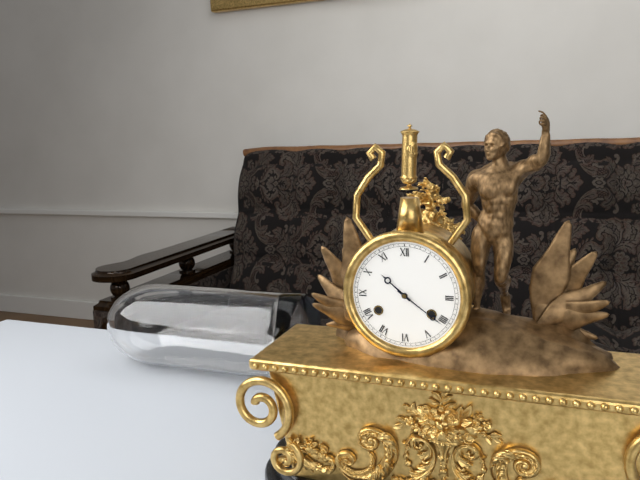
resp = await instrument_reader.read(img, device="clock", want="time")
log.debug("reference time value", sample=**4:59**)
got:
**10:21**
